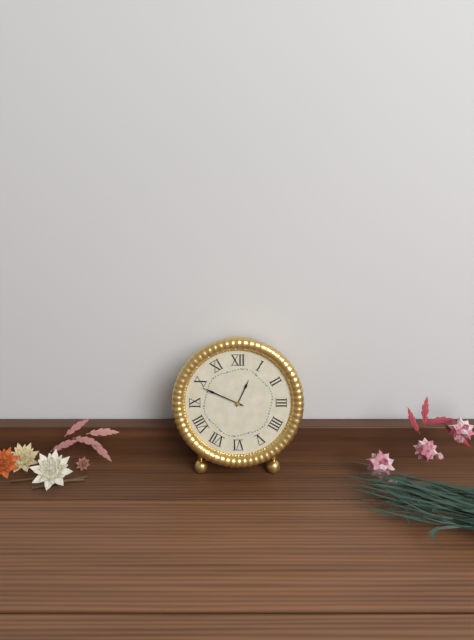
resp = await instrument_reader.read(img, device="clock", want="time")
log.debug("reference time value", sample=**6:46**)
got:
**12:49**
